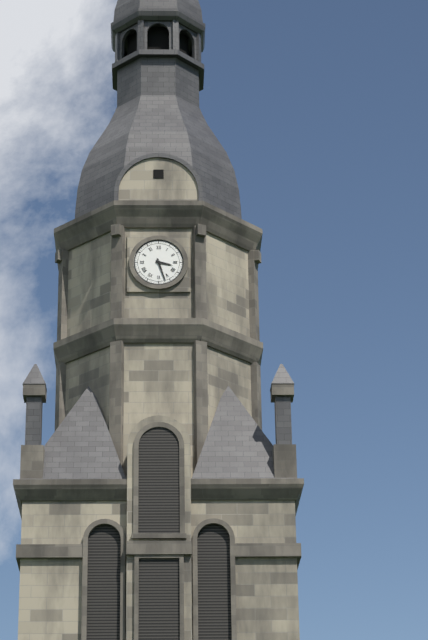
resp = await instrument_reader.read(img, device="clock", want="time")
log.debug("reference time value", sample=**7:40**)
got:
**3:27**
